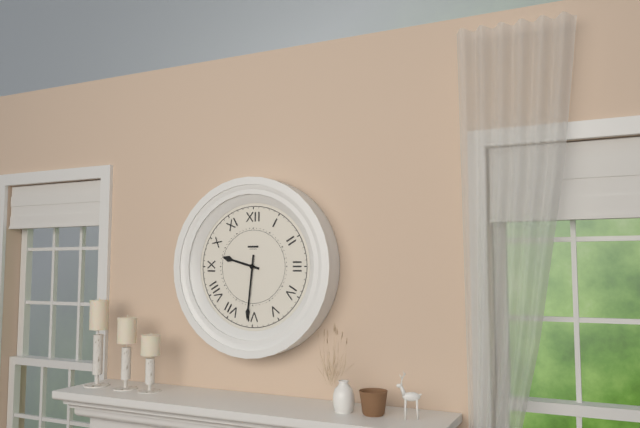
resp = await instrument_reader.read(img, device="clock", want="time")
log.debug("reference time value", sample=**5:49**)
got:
**9:31**
